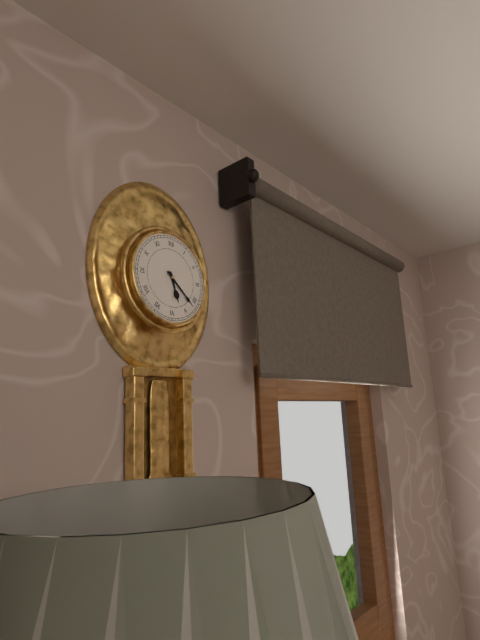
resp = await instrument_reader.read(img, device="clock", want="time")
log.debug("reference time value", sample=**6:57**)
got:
**5:22**
